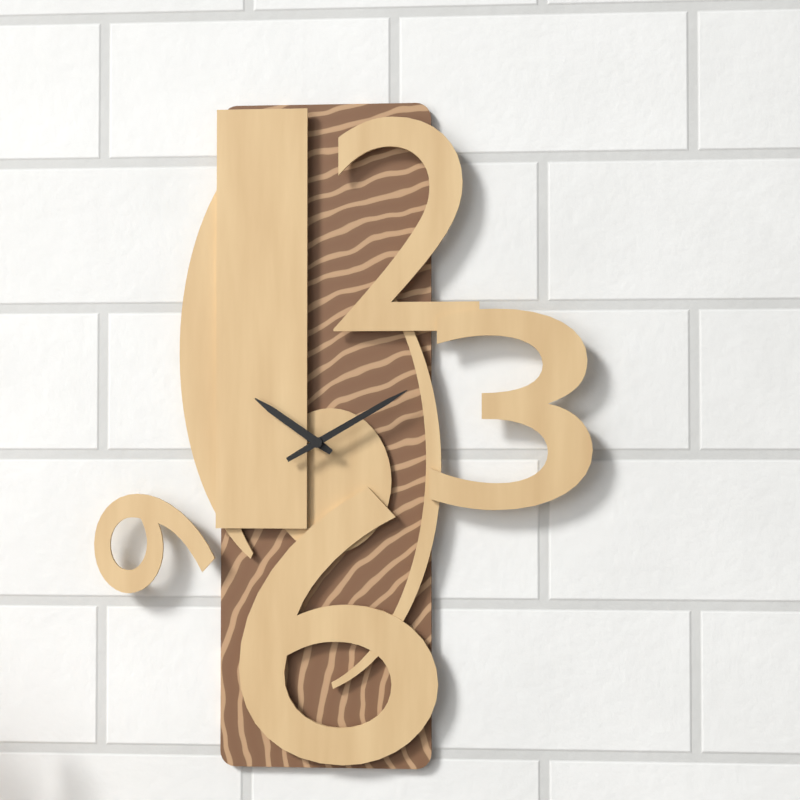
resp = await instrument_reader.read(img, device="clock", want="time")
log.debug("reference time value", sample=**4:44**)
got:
**10:10**
